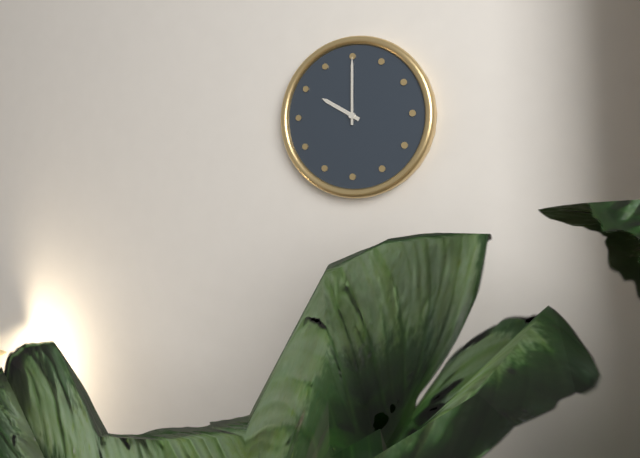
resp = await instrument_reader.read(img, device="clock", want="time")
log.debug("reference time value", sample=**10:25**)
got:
**10:00**
